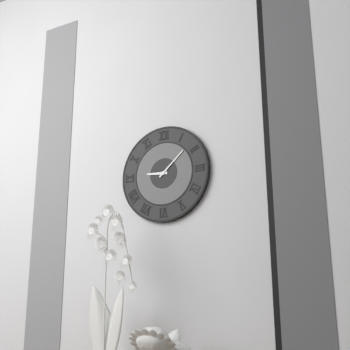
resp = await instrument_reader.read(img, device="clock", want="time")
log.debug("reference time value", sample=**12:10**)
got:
**9:08**
